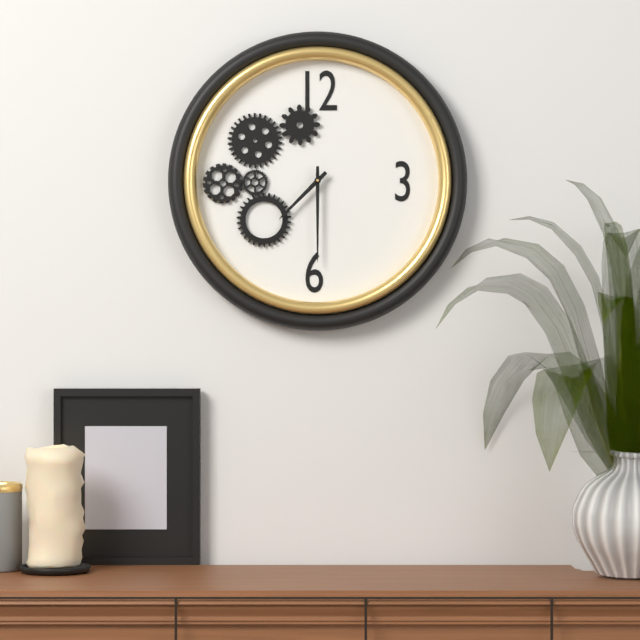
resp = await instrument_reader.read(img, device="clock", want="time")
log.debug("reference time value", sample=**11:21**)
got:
**7:30**
